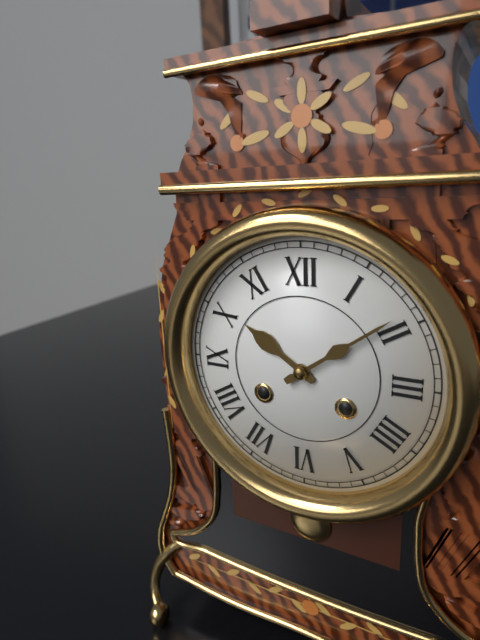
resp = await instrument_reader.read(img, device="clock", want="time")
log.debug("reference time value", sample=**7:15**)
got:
**10:09**
